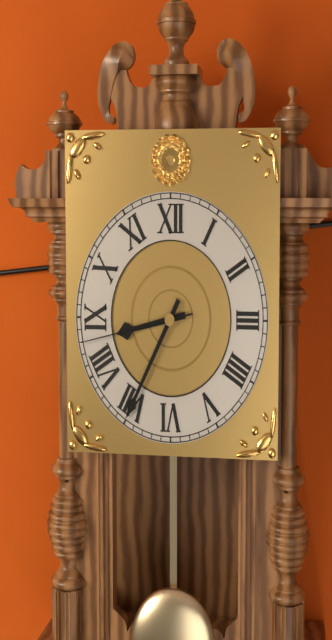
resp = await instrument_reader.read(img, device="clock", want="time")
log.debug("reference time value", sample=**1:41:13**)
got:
**8:35:43**
